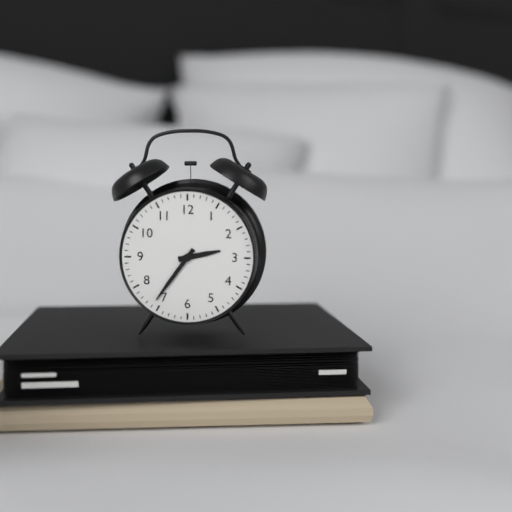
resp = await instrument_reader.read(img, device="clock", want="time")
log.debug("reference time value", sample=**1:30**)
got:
**2:36**
